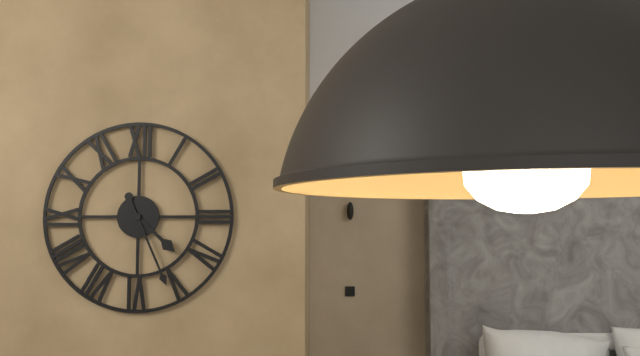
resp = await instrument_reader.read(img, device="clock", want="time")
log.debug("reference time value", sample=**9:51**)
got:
**4:26**
